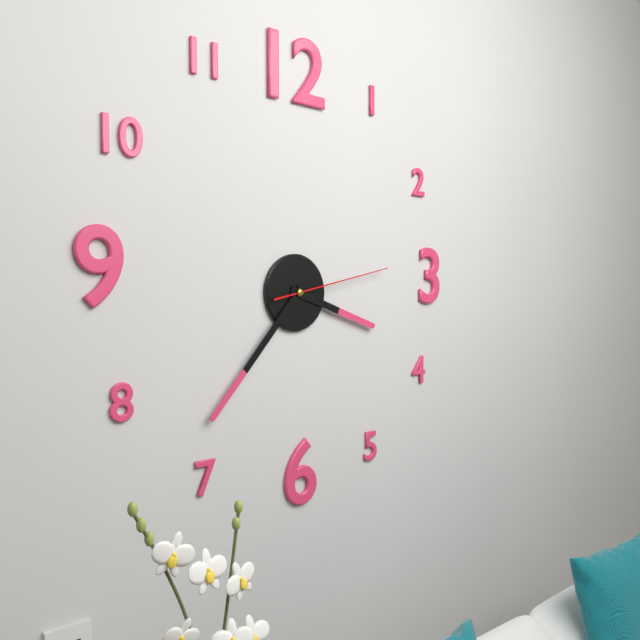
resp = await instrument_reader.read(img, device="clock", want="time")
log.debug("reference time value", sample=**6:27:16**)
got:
**3:37:13**
